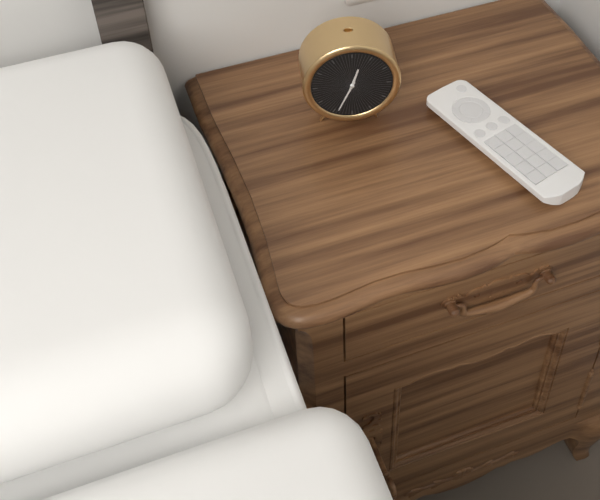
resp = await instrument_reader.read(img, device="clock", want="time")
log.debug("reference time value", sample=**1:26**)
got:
**12:34**
